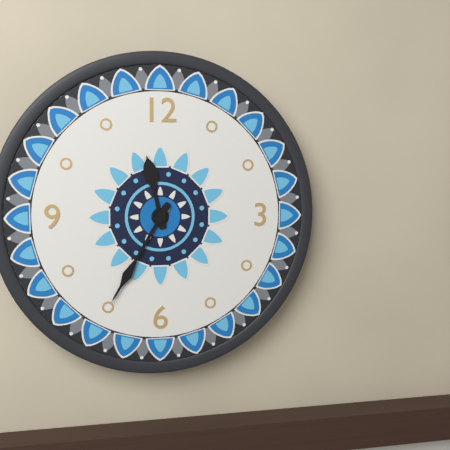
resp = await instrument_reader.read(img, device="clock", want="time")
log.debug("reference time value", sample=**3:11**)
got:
**11:35**
